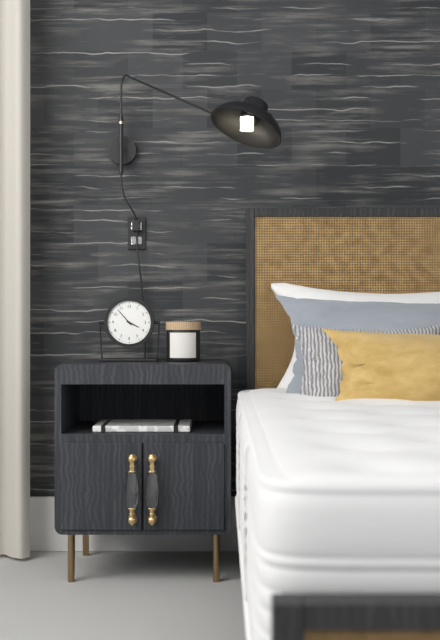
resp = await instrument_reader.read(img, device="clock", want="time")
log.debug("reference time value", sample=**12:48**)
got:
**3:53**
